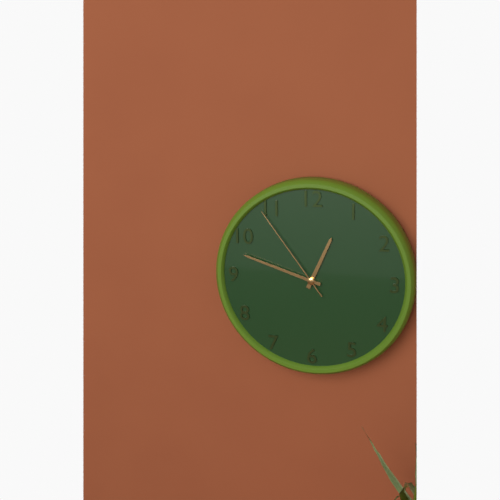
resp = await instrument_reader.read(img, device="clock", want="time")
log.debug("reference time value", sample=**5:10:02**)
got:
**12:48:54**
